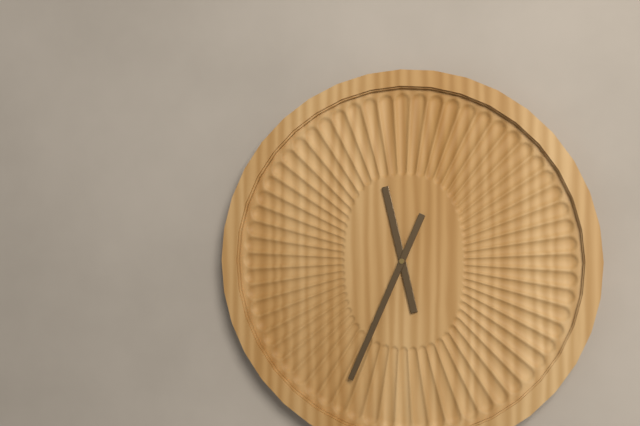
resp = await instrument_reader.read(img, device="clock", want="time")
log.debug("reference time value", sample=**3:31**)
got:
**11:34**
